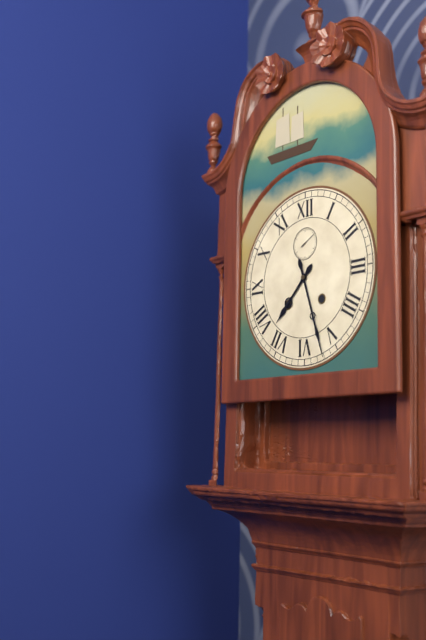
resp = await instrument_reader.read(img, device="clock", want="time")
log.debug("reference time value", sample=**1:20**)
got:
**7:27**
